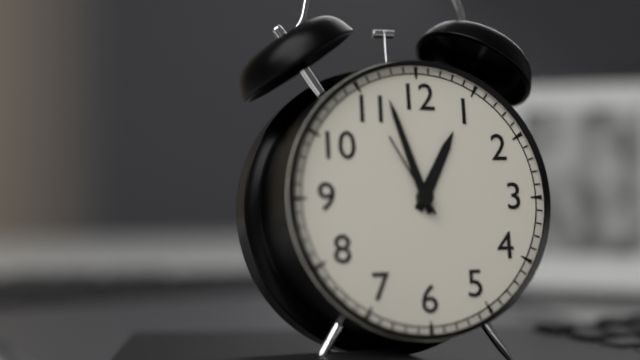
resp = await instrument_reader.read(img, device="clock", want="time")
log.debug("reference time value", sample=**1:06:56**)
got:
**12:57:55**
